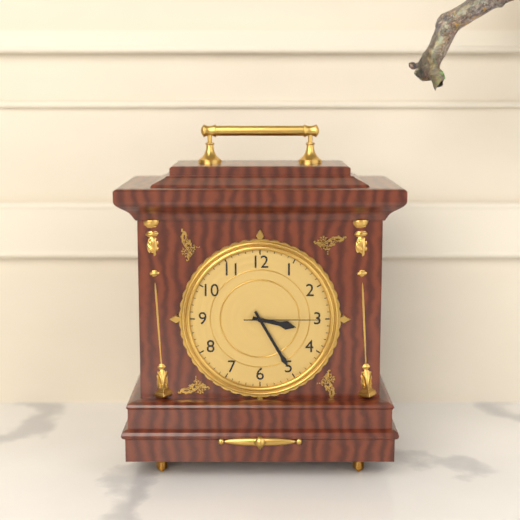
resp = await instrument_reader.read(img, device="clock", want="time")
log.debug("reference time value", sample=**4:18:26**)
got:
**3:25:15**
